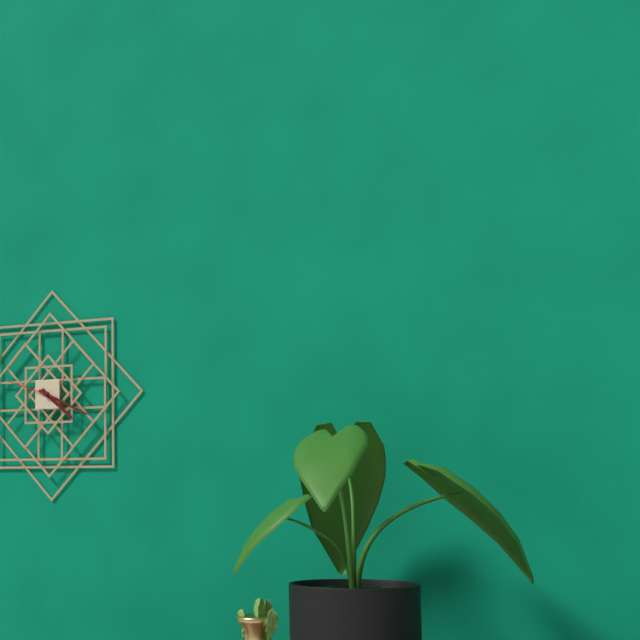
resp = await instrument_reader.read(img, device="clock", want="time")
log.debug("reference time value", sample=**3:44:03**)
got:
**4:19:48**
